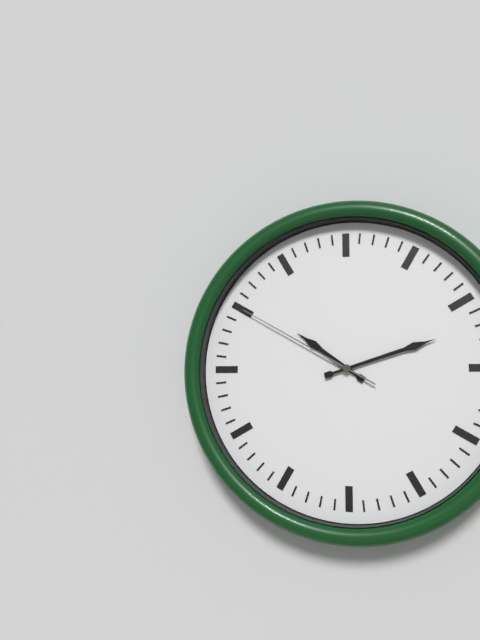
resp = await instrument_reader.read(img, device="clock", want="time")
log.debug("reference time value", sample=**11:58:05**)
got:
**10:12:50**
